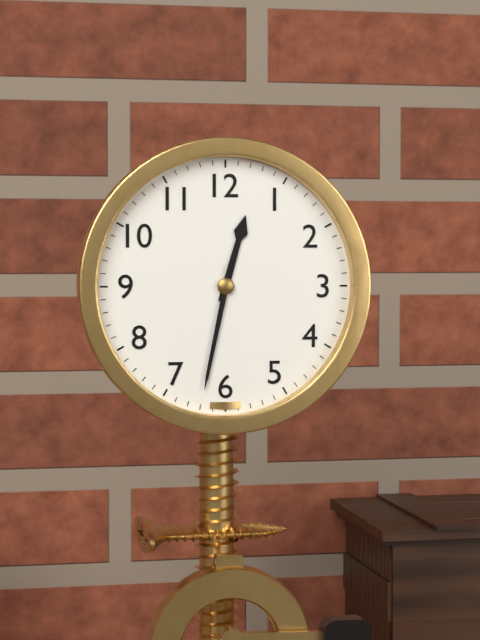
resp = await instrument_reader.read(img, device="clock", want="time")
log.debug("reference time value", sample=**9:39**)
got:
**12:32**
